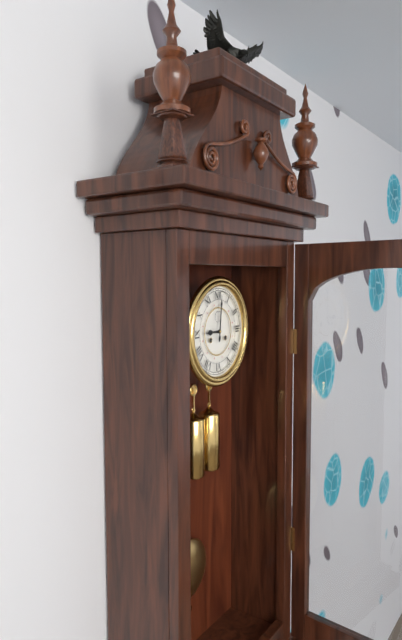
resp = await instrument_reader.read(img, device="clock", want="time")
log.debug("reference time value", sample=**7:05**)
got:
**9:01**
